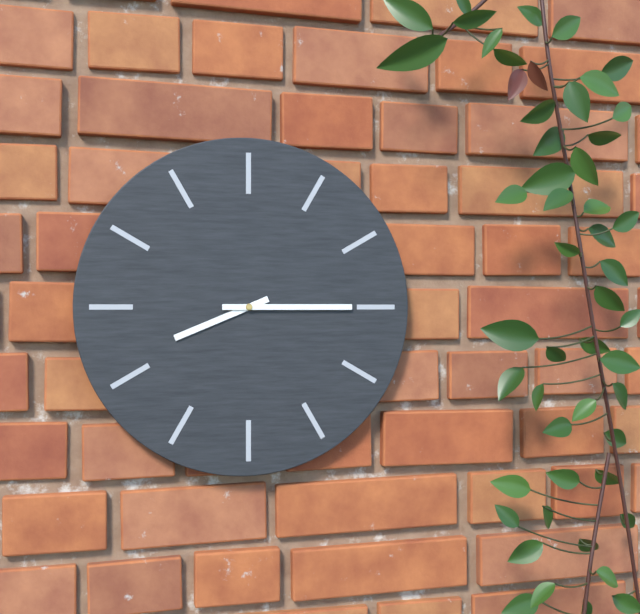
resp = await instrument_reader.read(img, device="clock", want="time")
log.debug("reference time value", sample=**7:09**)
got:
**8:15**
